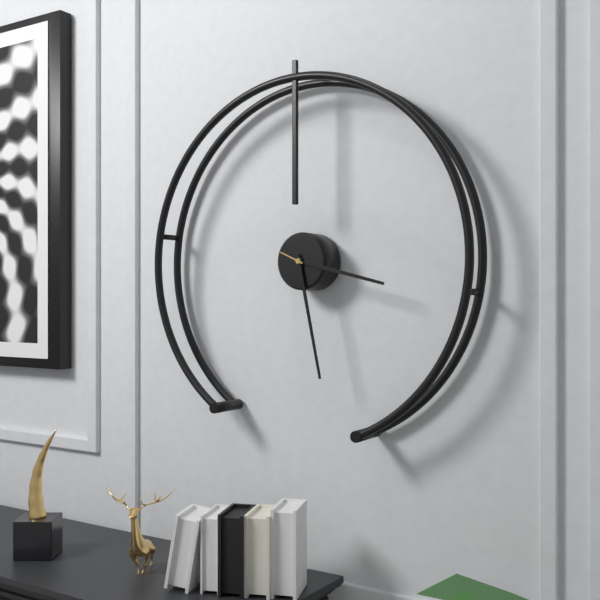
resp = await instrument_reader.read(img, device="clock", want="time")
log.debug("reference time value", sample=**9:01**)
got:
**3:28**
